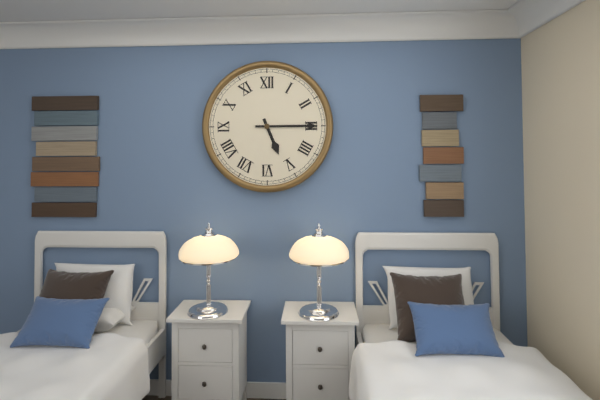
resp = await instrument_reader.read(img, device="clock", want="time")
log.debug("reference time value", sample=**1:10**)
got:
**5:15**
